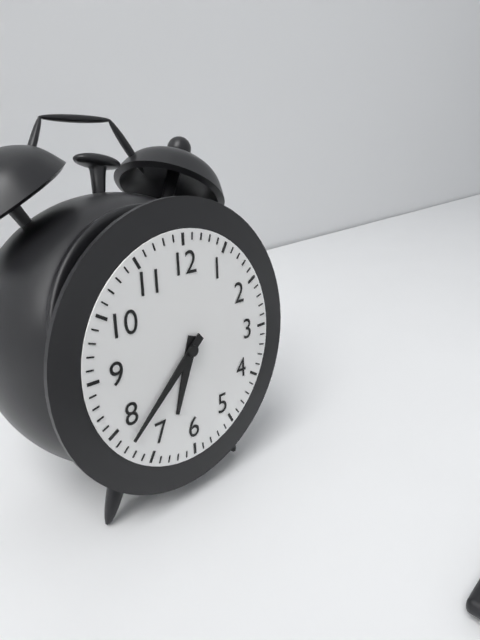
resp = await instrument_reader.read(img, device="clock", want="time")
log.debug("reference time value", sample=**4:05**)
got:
**6:38**
